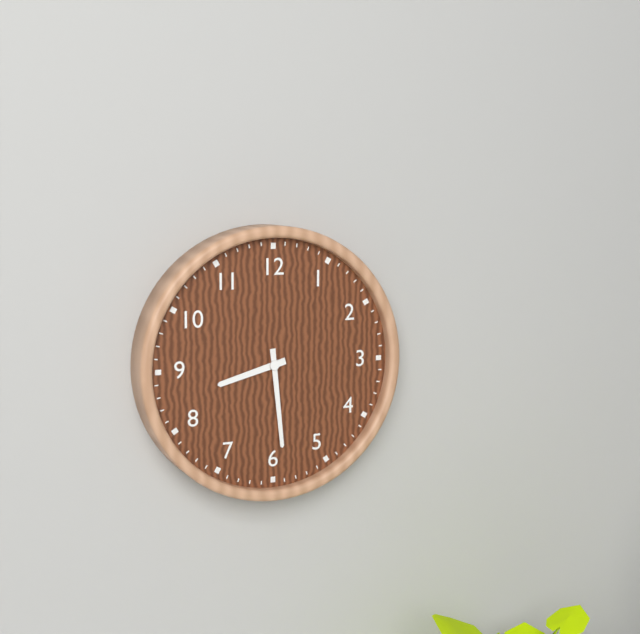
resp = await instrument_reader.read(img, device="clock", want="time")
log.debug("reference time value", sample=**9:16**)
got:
**8:29**
